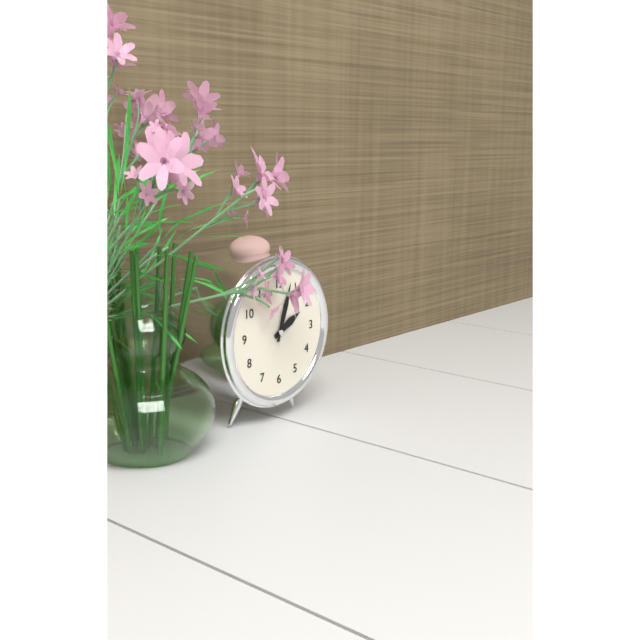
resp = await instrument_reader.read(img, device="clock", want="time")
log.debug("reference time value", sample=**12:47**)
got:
**2:03**
